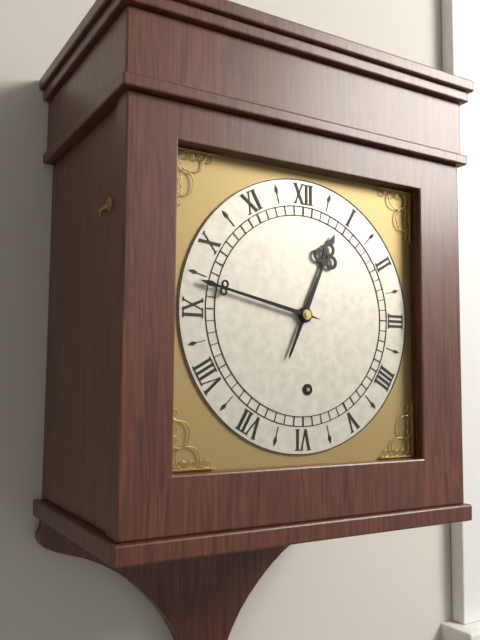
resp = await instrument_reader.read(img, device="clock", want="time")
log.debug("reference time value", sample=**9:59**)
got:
**12:47**
